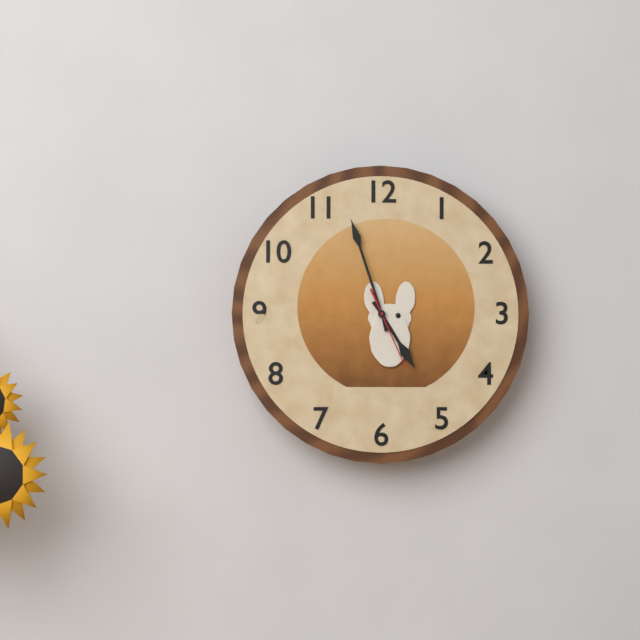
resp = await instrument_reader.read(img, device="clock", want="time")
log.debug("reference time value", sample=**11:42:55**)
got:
**4:57:26**
